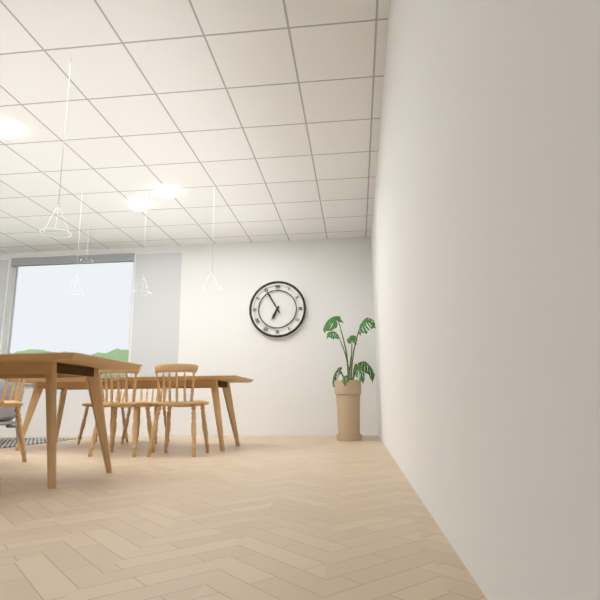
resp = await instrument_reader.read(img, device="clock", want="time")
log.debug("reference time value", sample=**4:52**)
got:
**6:55**
